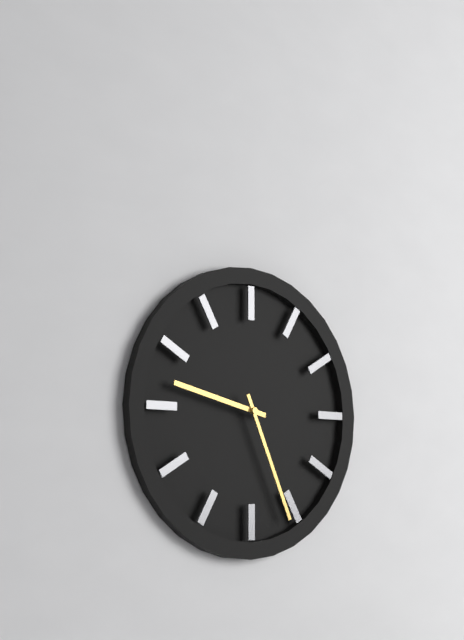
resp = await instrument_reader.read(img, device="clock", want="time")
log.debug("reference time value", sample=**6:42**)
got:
**9:26**
